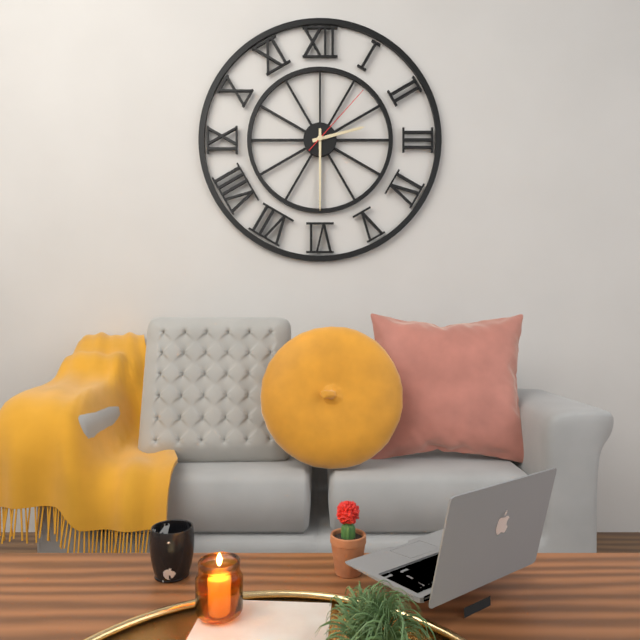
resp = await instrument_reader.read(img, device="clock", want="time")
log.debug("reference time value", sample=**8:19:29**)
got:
**2:30:07**
